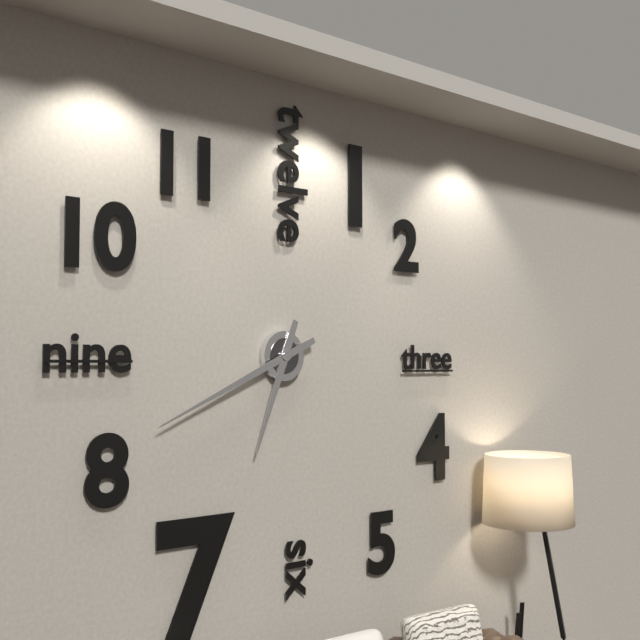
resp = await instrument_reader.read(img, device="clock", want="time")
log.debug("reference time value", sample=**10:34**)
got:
**6:41**
